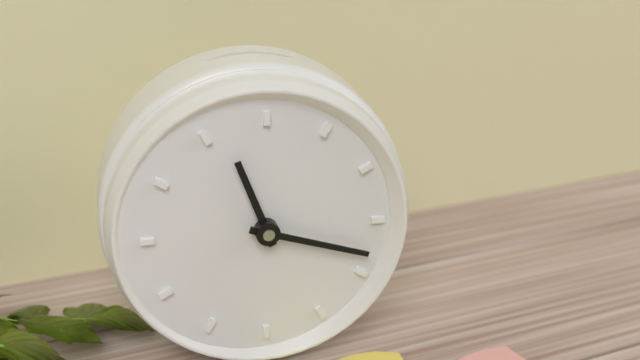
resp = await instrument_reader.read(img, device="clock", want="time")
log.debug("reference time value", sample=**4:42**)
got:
**11:18**
